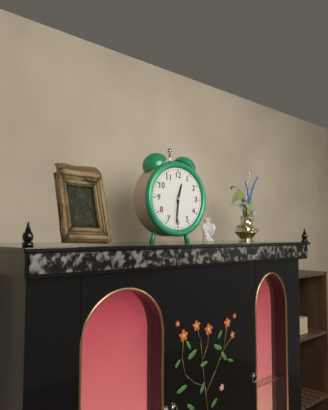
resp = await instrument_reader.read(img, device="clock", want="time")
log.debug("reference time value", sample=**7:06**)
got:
**12:31**
